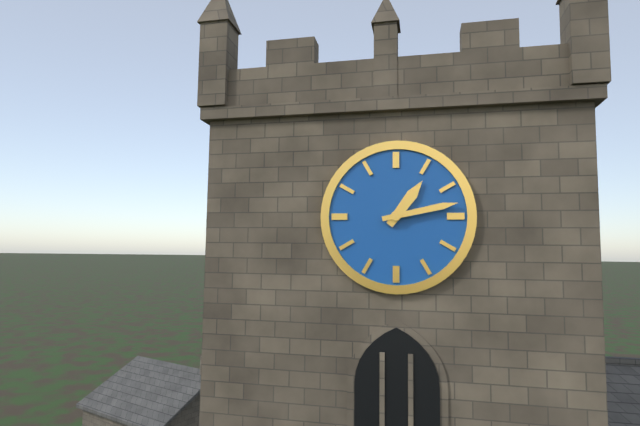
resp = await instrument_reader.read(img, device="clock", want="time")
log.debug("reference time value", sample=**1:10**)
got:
**1:13**
